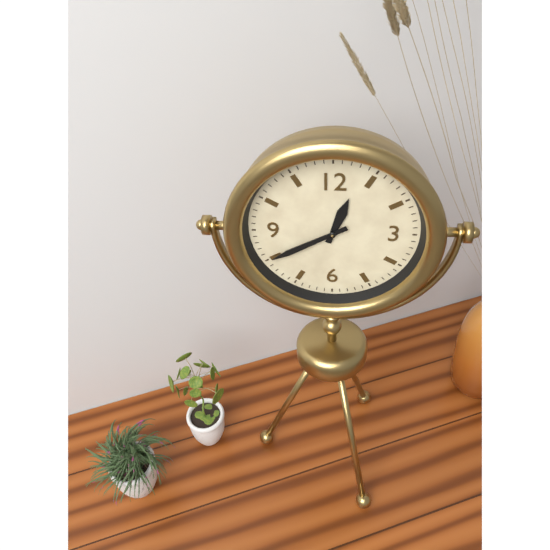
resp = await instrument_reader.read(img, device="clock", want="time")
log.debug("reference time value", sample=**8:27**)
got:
**12:40**
